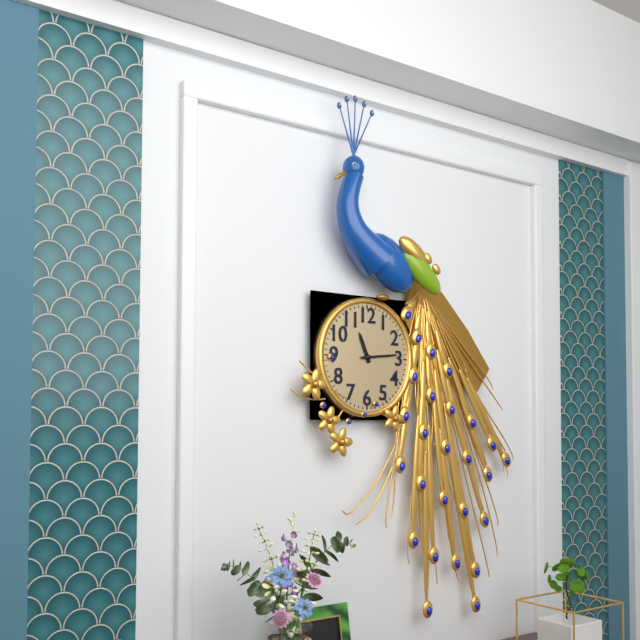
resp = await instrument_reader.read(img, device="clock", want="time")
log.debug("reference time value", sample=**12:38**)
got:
**11:14**
